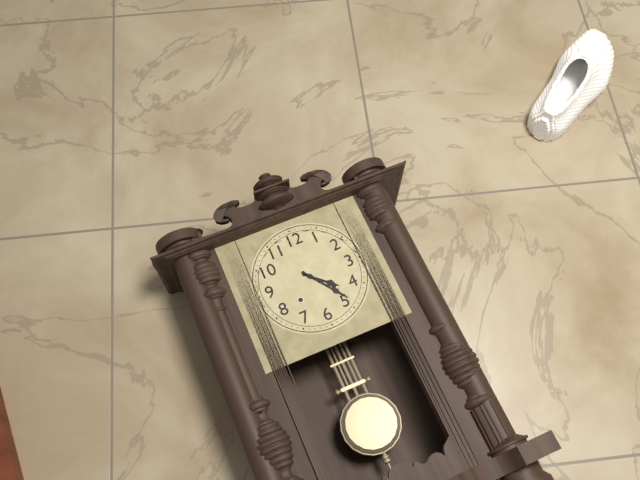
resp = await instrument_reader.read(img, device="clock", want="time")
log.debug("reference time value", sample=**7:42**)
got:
**4:24**
